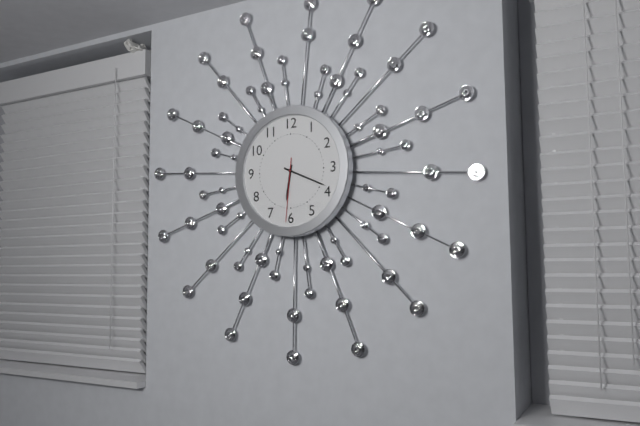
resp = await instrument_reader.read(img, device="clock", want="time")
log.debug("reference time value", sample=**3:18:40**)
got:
**6:19:31**
